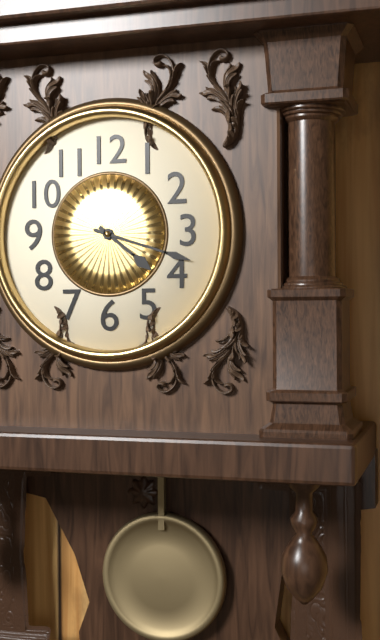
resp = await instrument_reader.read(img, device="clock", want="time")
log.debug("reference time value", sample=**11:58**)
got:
**4:18**
